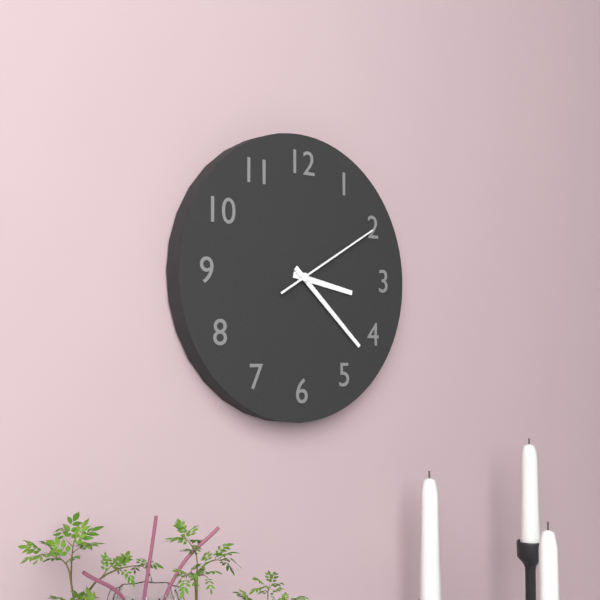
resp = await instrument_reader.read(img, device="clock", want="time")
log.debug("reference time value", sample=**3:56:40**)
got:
**3:22:10**
